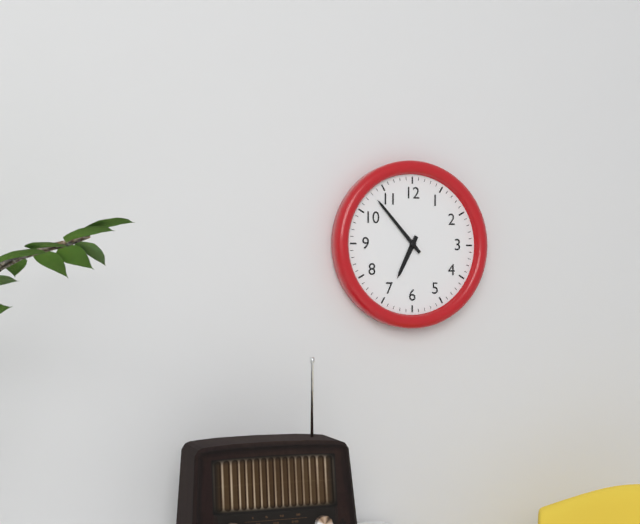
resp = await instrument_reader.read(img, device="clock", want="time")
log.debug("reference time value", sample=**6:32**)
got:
**6:53**
